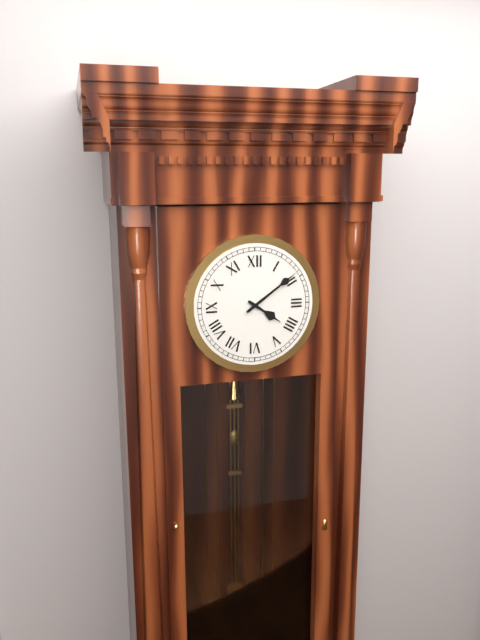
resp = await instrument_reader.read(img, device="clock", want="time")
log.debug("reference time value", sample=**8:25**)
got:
**4:09**
